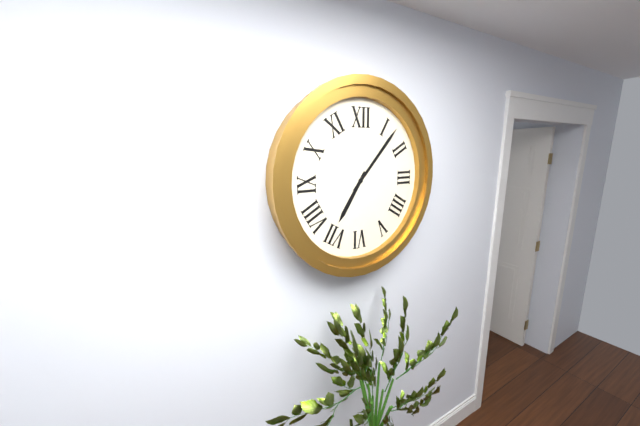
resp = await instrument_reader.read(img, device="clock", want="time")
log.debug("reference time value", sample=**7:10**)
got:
**7:07**
